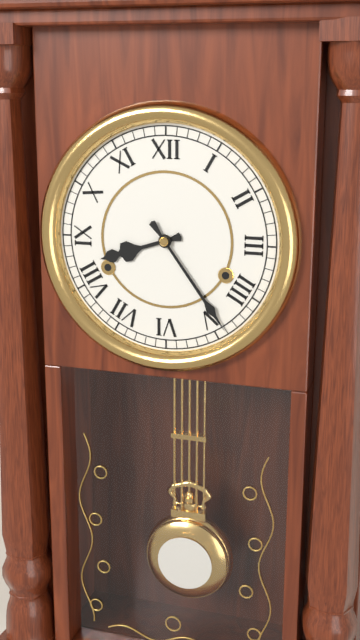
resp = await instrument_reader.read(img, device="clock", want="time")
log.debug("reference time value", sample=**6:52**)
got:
**8:24**
